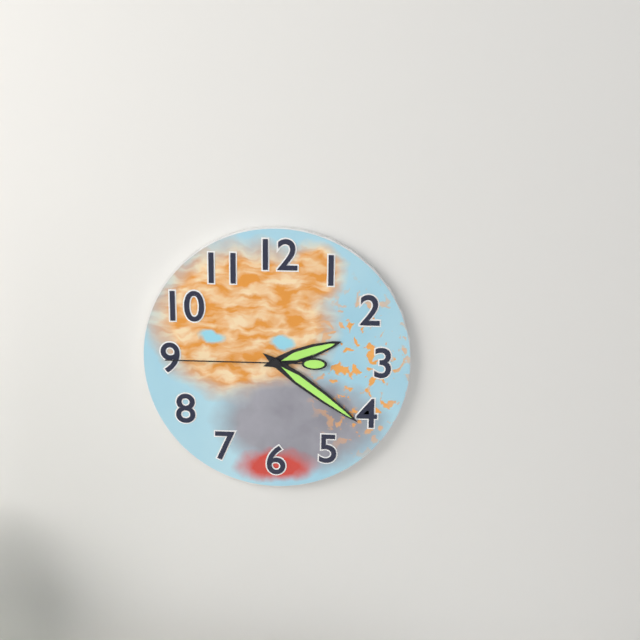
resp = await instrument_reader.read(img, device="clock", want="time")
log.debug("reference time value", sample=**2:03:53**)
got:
**2:21:45**
